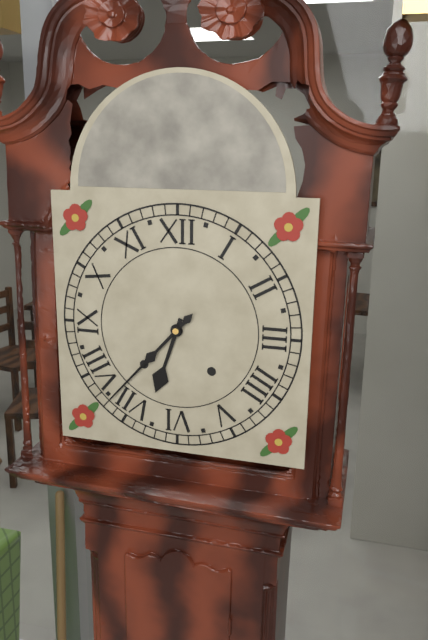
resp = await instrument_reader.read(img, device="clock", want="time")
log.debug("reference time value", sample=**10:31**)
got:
**6:37**
